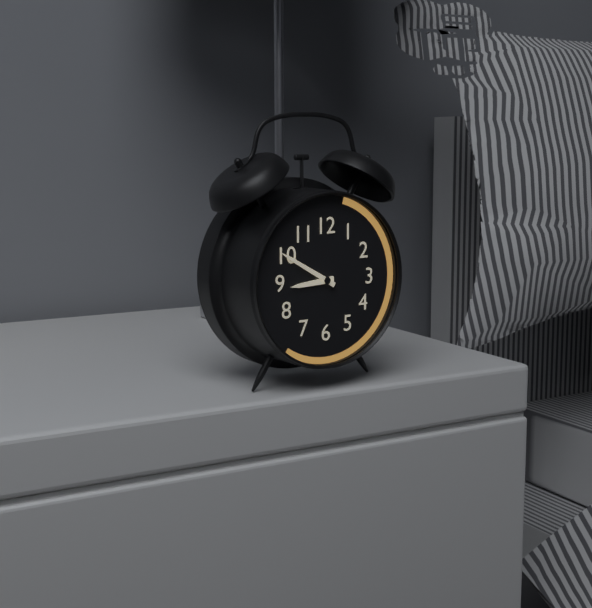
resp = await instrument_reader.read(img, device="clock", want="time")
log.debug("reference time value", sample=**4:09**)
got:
**8:50**
